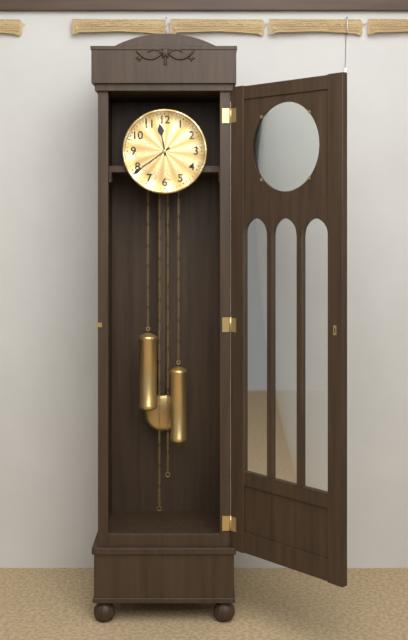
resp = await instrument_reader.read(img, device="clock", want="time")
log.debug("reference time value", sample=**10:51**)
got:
**11:39**
